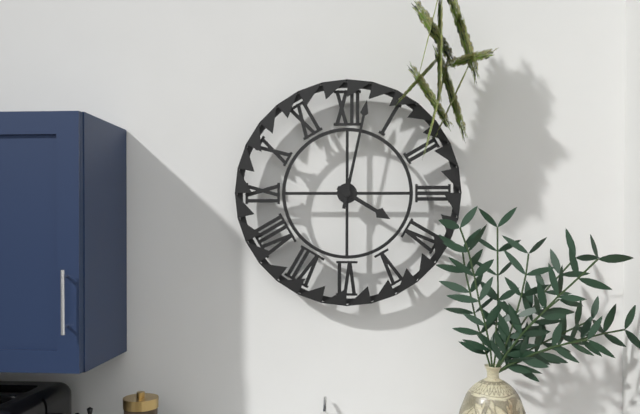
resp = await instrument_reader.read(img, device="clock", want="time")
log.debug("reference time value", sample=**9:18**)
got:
**4:02**
